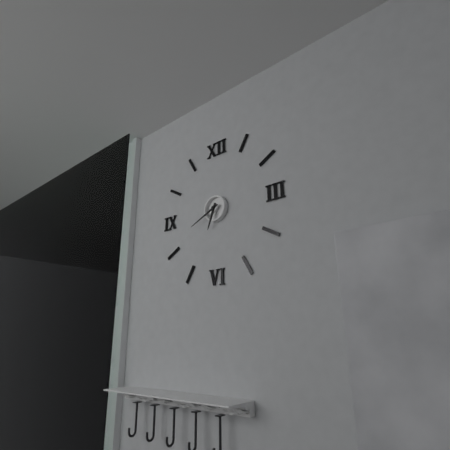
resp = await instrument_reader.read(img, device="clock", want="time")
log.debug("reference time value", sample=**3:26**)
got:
**6:41**
